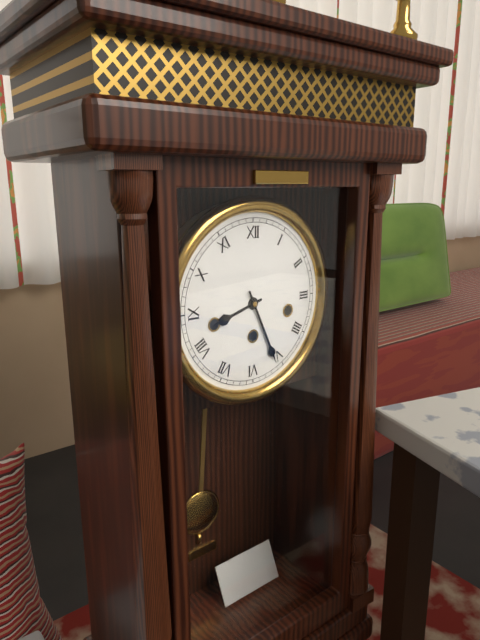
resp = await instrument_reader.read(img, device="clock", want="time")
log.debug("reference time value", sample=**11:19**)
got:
**8:26**
